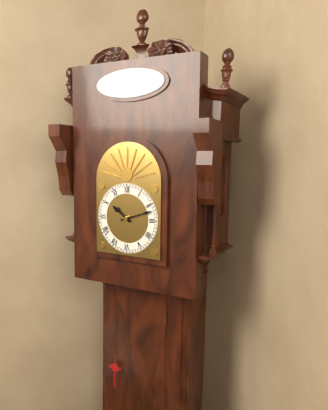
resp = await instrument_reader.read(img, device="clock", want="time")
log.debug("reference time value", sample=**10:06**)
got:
**10:12**
